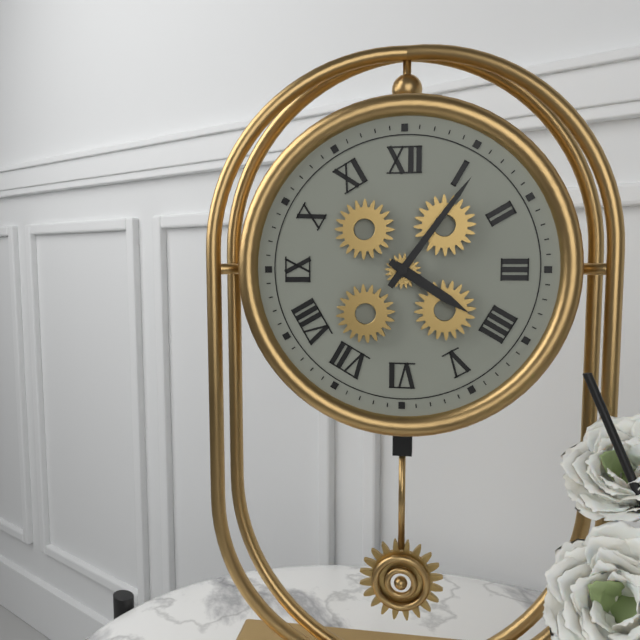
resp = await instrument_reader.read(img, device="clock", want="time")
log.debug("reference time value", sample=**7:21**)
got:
**4:06**
